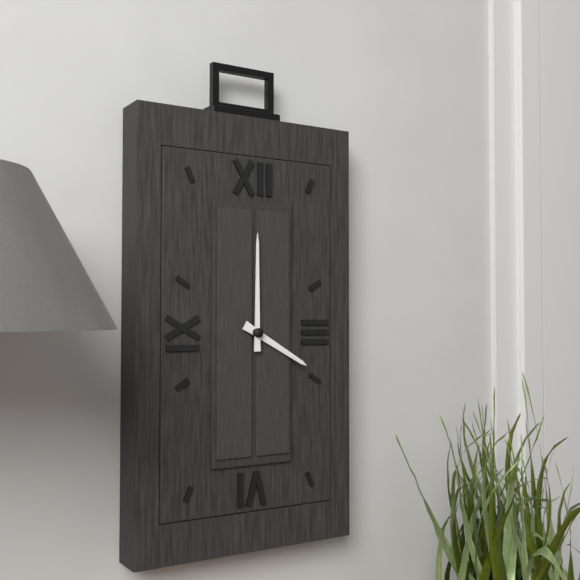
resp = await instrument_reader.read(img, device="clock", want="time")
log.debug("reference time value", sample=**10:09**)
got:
**4:00**
